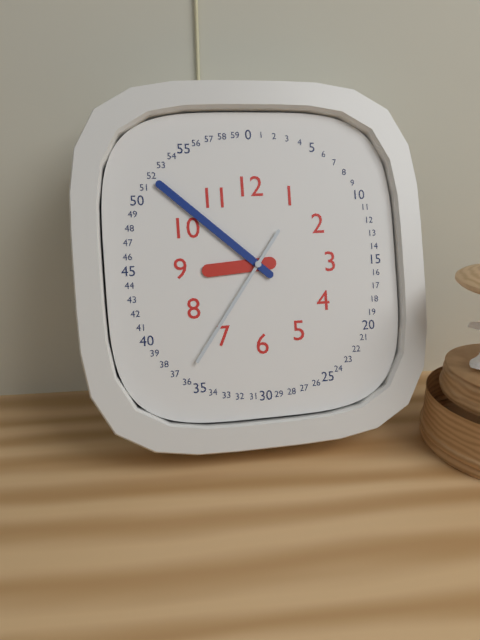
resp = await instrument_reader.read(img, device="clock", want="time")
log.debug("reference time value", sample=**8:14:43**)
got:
**8:52:36**
